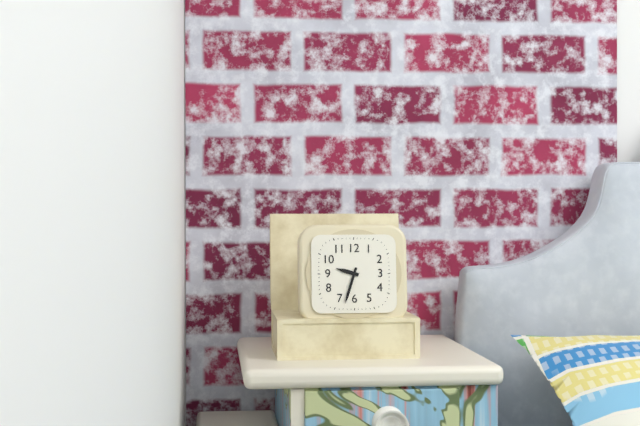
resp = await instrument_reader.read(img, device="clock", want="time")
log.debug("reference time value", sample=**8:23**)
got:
**9:33**
